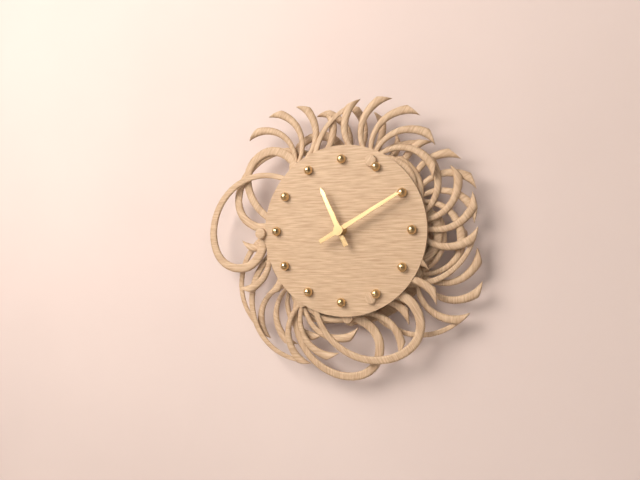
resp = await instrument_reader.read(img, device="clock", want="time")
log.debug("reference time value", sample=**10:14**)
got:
**11:10**
